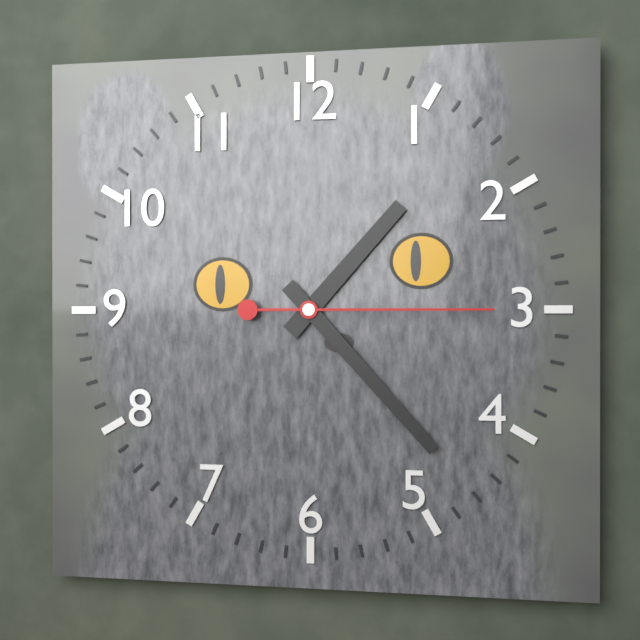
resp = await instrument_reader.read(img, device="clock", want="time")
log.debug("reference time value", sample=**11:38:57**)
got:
**1:23:15**
